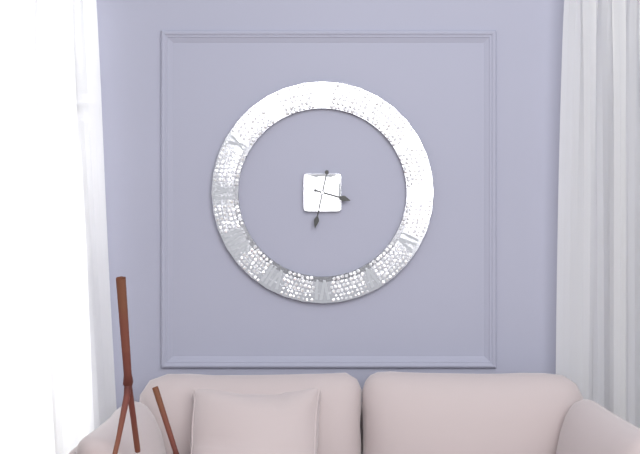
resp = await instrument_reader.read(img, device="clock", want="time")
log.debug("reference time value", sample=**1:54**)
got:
**3:32**
